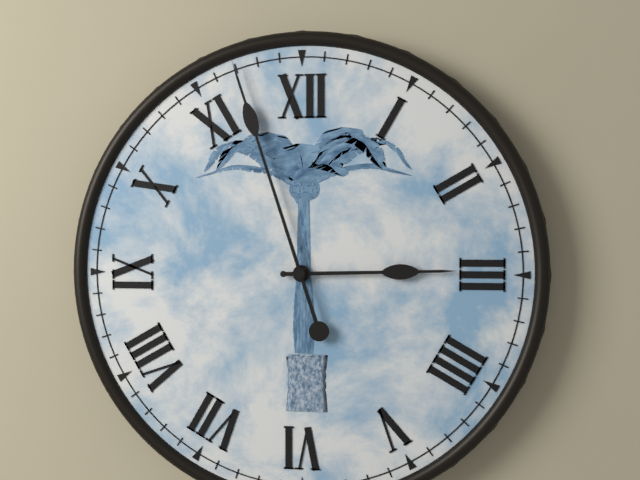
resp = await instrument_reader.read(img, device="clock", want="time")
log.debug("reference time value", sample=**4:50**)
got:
**2:57**
